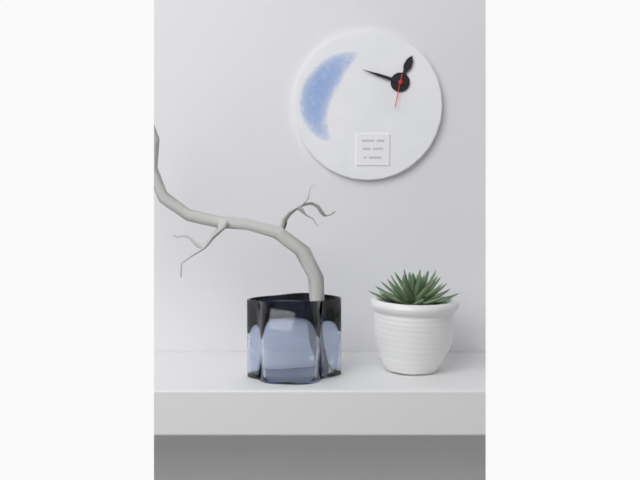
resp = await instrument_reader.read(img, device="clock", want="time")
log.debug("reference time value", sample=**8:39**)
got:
**12:48**
